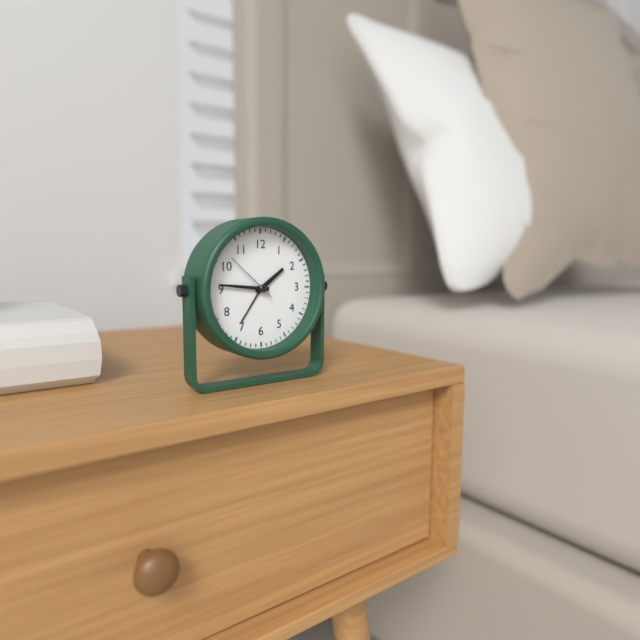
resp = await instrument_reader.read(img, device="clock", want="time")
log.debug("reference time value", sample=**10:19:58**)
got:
**1:46:52**
